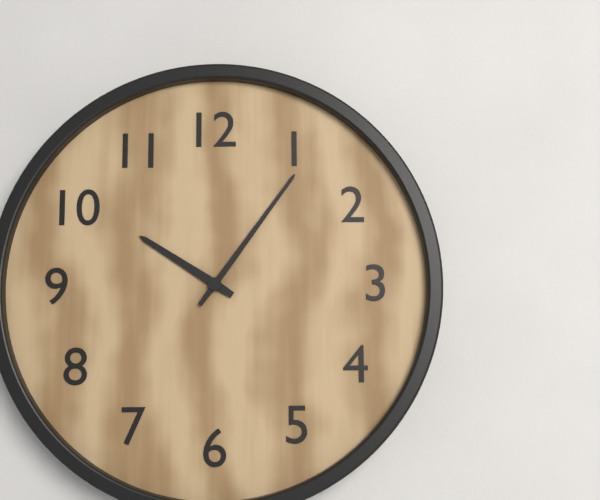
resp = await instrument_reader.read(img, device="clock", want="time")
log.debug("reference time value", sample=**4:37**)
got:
**10:06**
